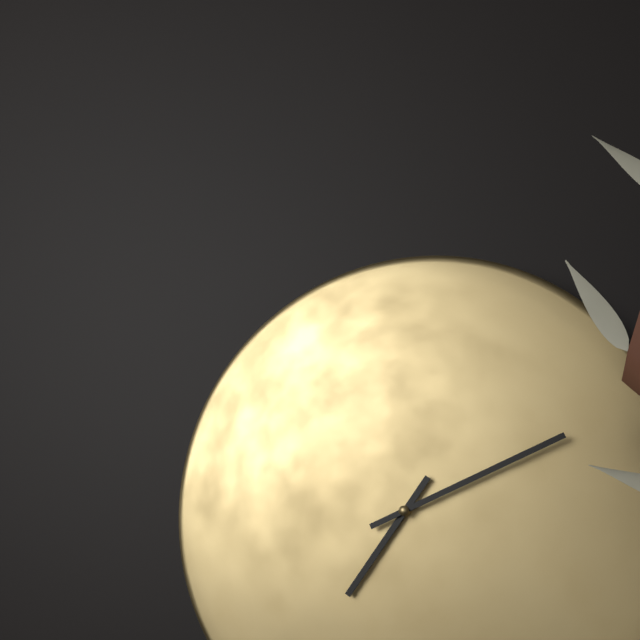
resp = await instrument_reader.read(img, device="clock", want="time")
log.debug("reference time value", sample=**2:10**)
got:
**7:11**
